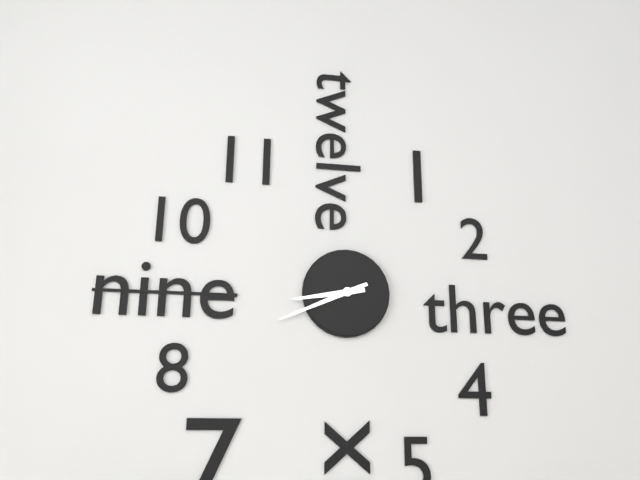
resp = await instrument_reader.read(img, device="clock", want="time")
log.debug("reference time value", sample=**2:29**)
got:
**8:41**
